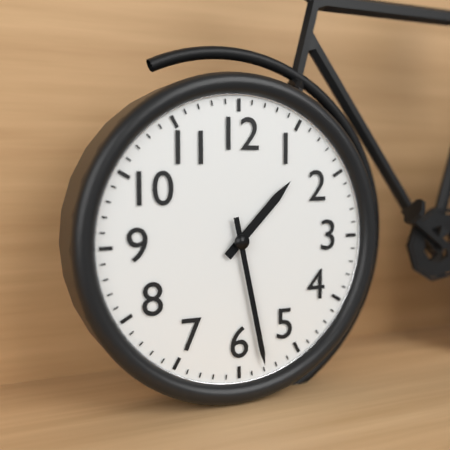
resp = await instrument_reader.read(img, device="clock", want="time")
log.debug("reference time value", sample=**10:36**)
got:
**1:28**
